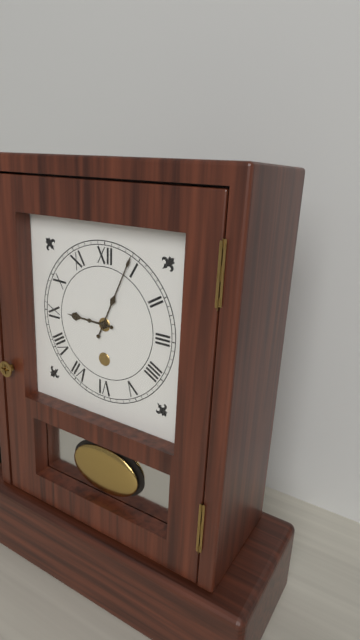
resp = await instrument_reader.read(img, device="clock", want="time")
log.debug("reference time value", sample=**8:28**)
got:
**9:04**
